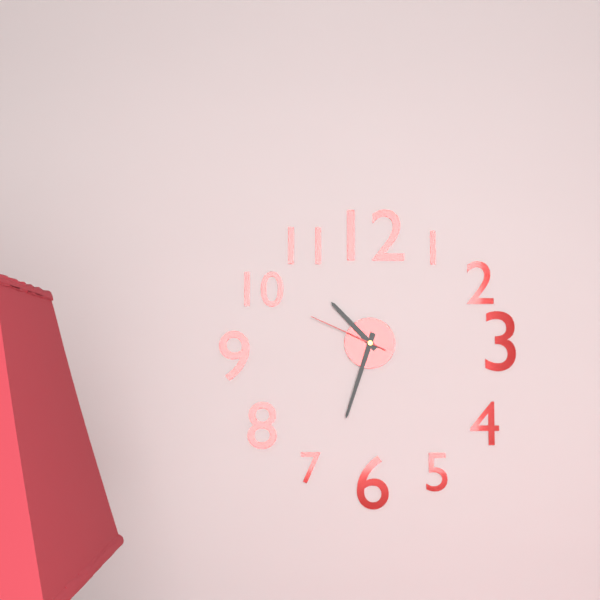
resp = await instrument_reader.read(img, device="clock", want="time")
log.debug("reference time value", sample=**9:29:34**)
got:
**10:33:49**
